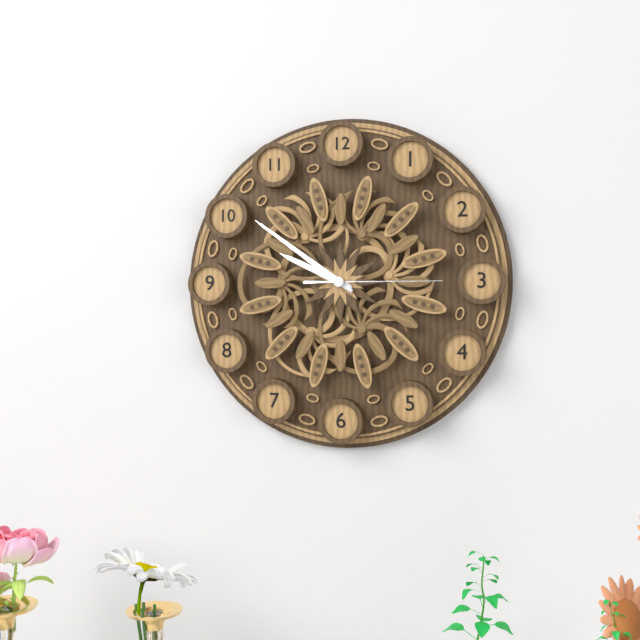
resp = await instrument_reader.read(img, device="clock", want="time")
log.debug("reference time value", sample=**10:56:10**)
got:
**9:51:15**
